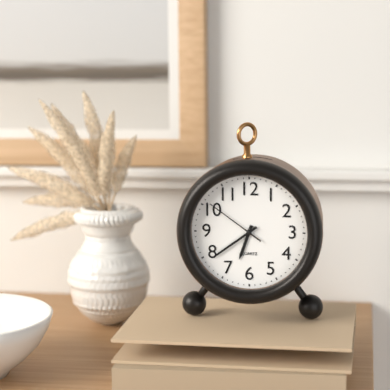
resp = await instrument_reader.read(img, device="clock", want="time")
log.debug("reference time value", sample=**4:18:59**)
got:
**6:39:51**
